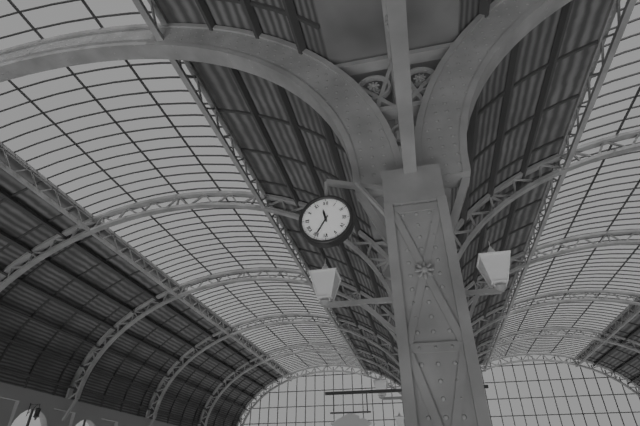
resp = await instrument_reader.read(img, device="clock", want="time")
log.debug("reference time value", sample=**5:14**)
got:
**11:35**
